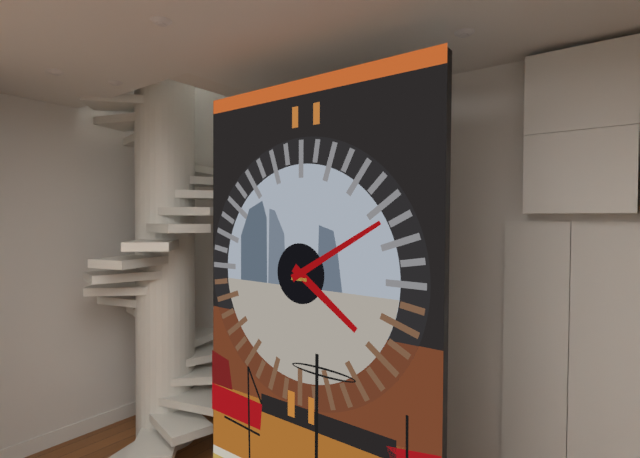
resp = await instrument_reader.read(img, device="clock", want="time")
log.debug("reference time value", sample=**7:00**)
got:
**4:10**
